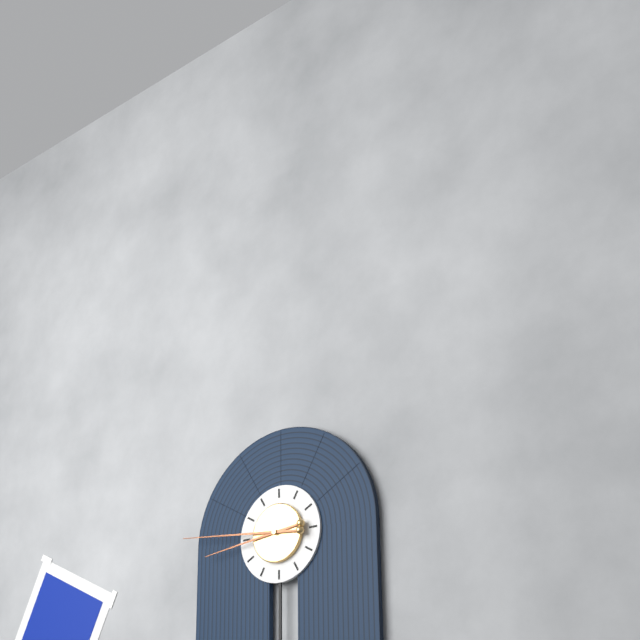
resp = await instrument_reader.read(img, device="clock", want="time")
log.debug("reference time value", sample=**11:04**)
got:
**8:46**
